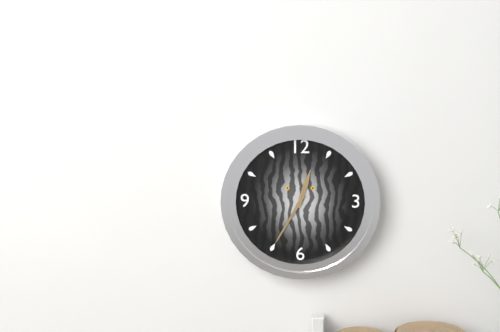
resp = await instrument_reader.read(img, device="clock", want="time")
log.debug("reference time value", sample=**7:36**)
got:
**12:35**
